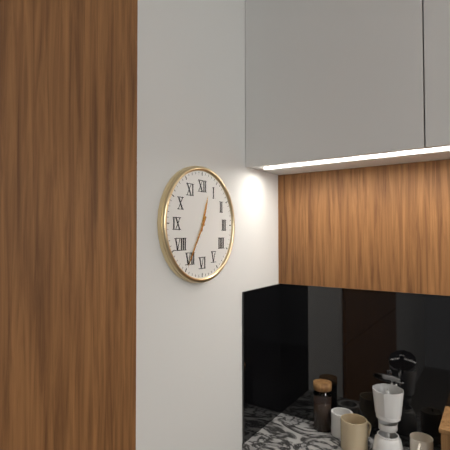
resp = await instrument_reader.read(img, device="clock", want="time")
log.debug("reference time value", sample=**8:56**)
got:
**12:35**
